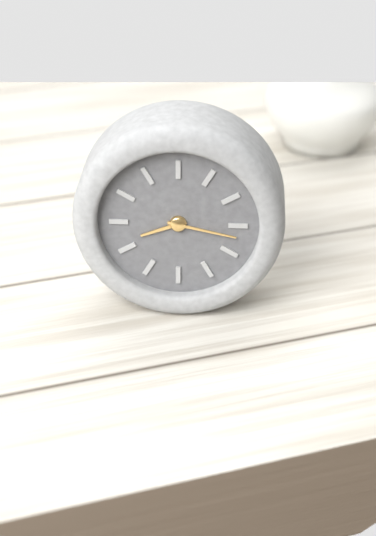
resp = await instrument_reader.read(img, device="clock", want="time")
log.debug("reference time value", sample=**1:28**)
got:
**8:17**
